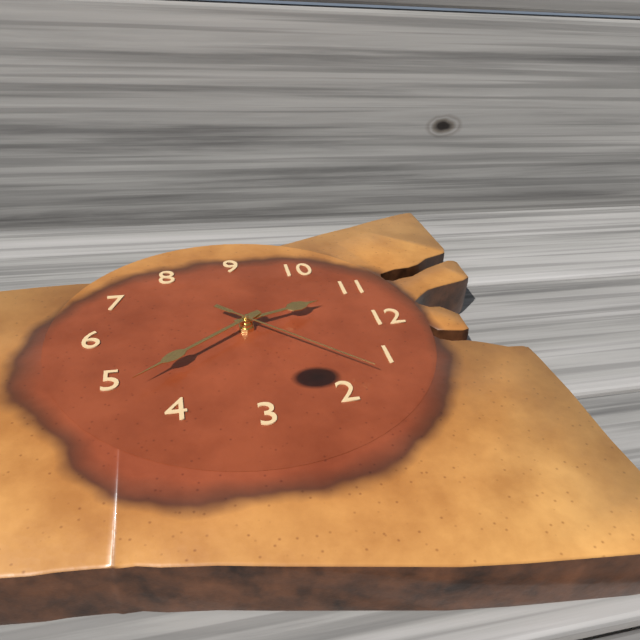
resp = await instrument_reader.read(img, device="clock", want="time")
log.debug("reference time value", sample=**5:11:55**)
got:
**11:24:07**
